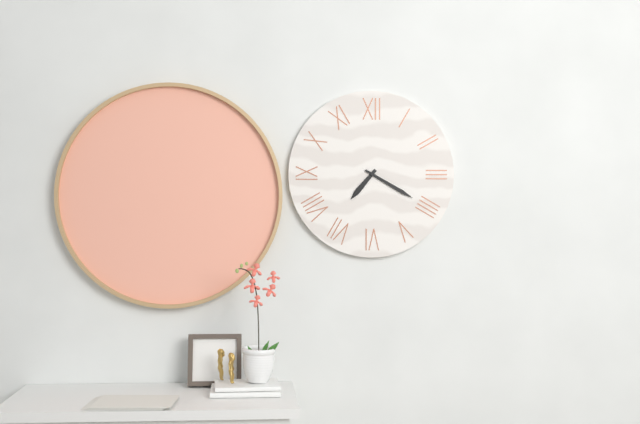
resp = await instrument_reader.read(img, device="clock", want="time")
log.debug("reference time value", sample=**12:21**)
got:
**7:20**
